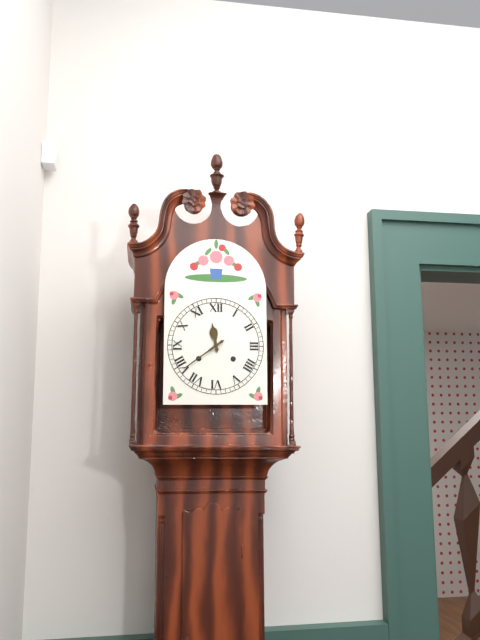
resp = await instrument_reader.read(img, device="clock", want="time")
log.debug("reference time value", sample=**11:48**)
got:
**11:39**
